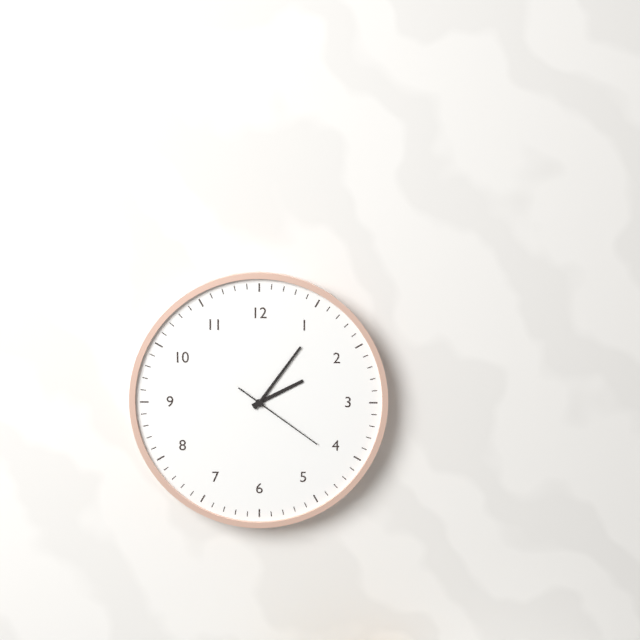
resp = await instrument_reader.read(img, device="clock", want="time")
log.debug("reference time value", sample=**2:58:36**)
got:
**2:06:21**
